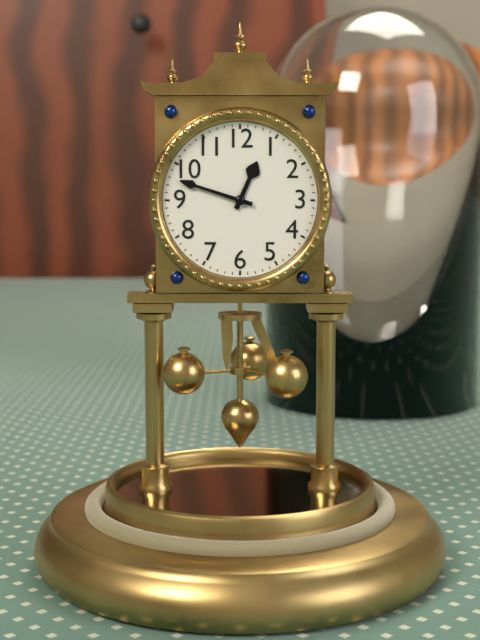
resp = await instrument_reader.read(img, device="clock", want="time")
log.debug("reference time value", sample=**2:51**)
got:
**12:48**
